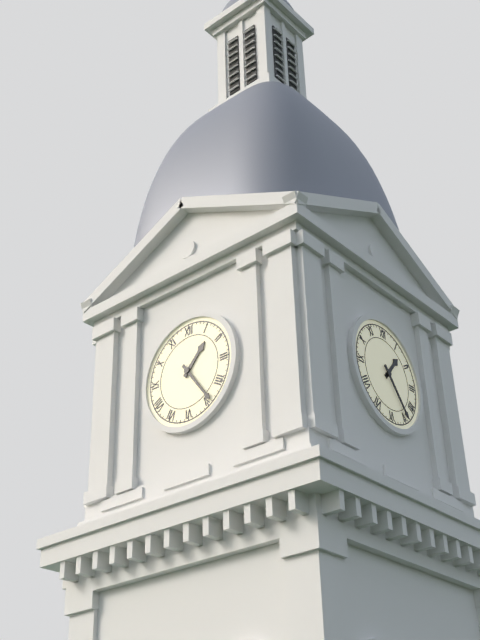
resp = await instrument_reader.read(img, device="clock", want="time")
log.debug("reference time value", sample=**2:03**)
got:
**1:24**
